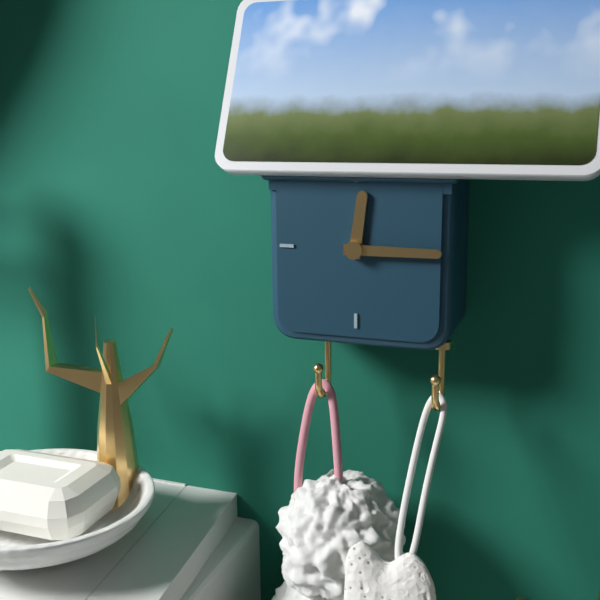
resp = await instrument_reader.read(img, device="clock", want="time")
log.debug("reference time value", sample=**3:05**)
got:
**12:15**
